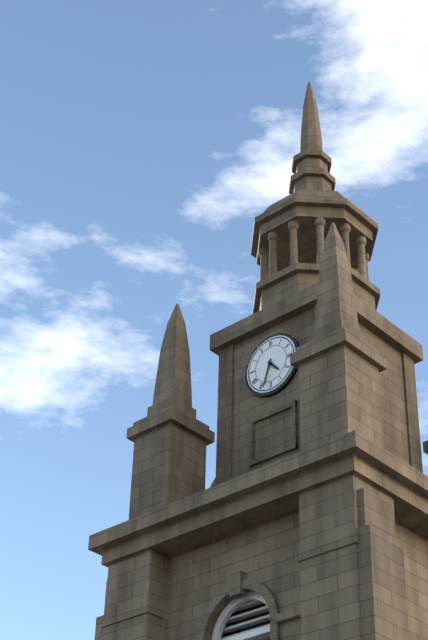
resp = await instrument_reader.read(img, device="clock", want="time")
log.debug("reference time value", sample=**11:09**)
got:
**4:33**
